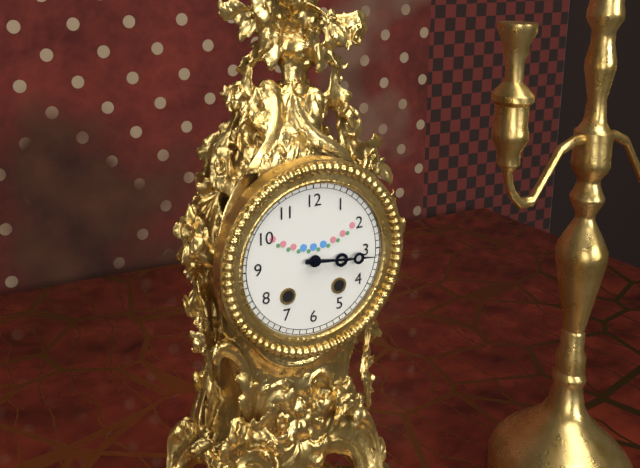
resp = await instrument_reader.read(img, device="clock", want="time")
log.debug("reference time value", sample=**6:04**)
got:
**3:16**
